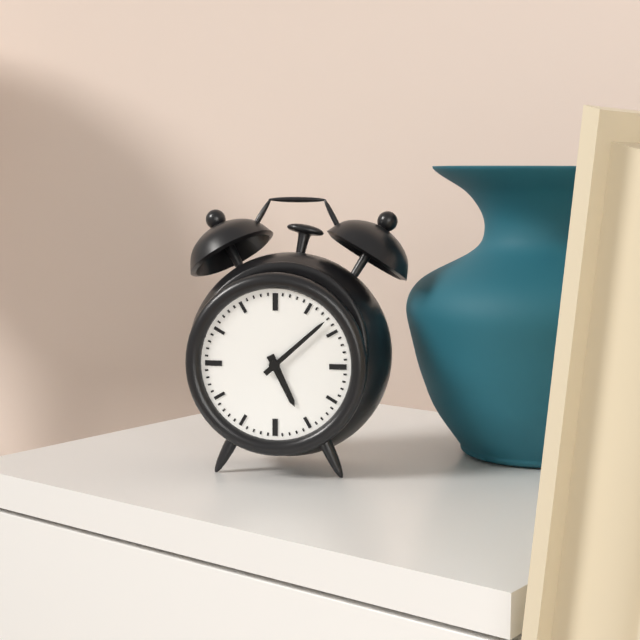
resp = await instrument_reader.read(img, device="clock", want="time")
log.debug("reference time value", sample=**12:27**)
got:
**5:08**
